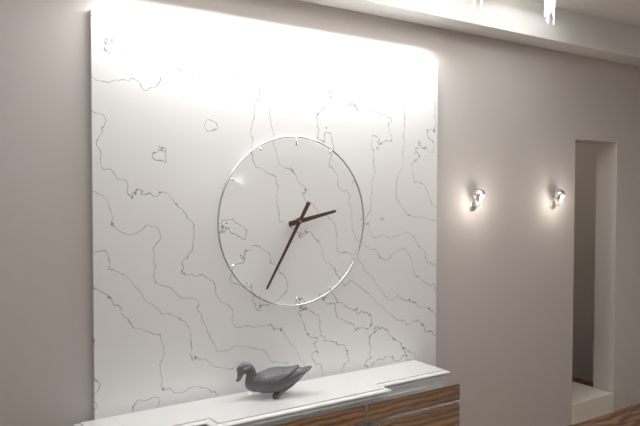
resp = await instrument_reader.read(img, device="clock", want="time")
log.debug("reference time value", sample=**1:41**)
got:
**2:35**
